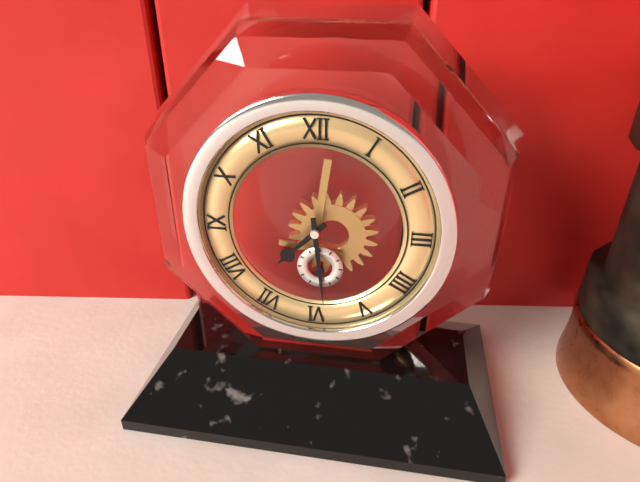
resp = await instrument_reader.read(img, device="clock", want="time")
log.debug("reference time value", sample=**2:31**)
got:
**7:29**
